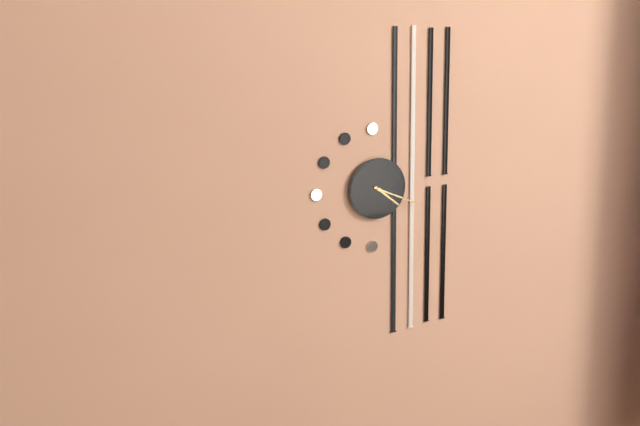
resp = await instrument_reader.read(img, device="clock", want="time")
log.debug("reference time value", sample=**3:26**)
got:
**4:19**
